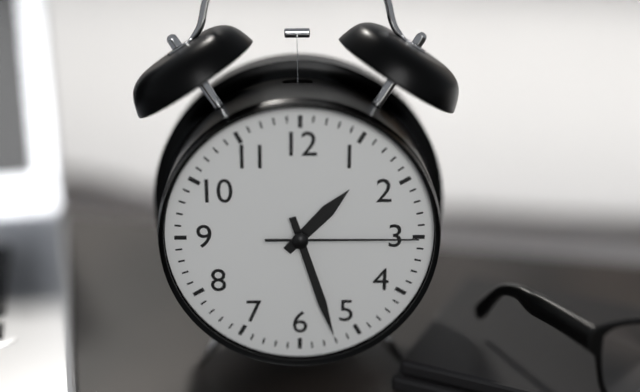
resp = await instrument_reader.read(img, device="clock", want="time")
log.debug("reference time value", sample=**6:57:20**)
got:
**1:27:15**
